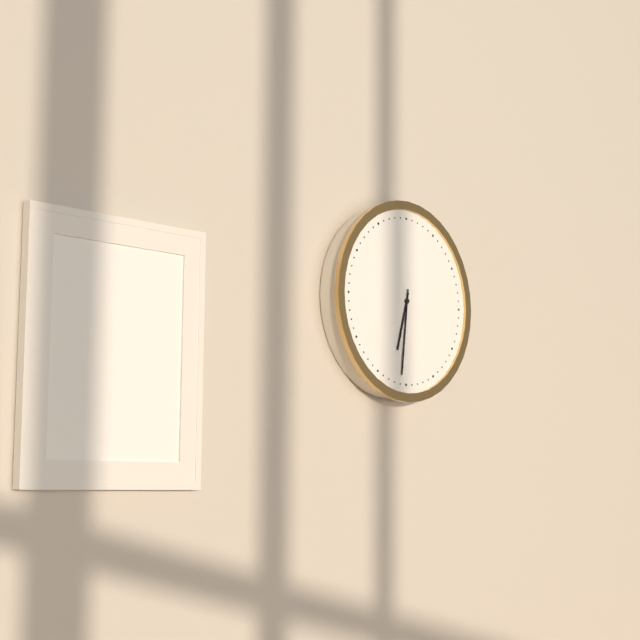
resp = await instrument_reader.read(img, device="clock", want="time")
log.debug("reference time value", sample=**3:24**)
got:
**6:31**
